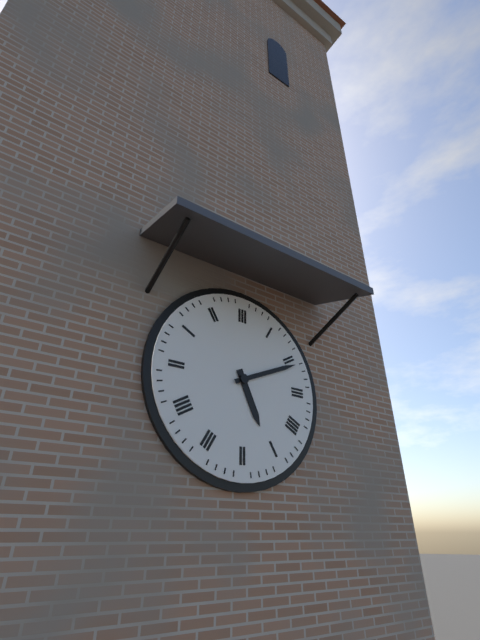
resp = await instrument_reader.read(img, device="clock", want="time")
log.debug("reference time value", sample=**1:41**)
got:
**5:11**
